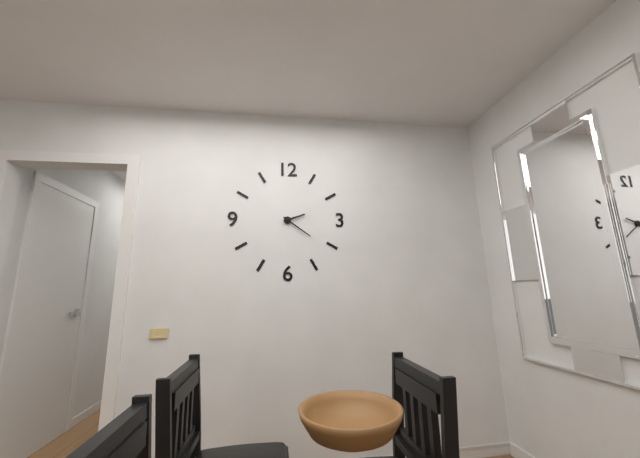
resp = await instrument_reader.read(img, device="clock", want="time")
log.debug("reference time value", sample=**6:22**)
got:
**2:21**
